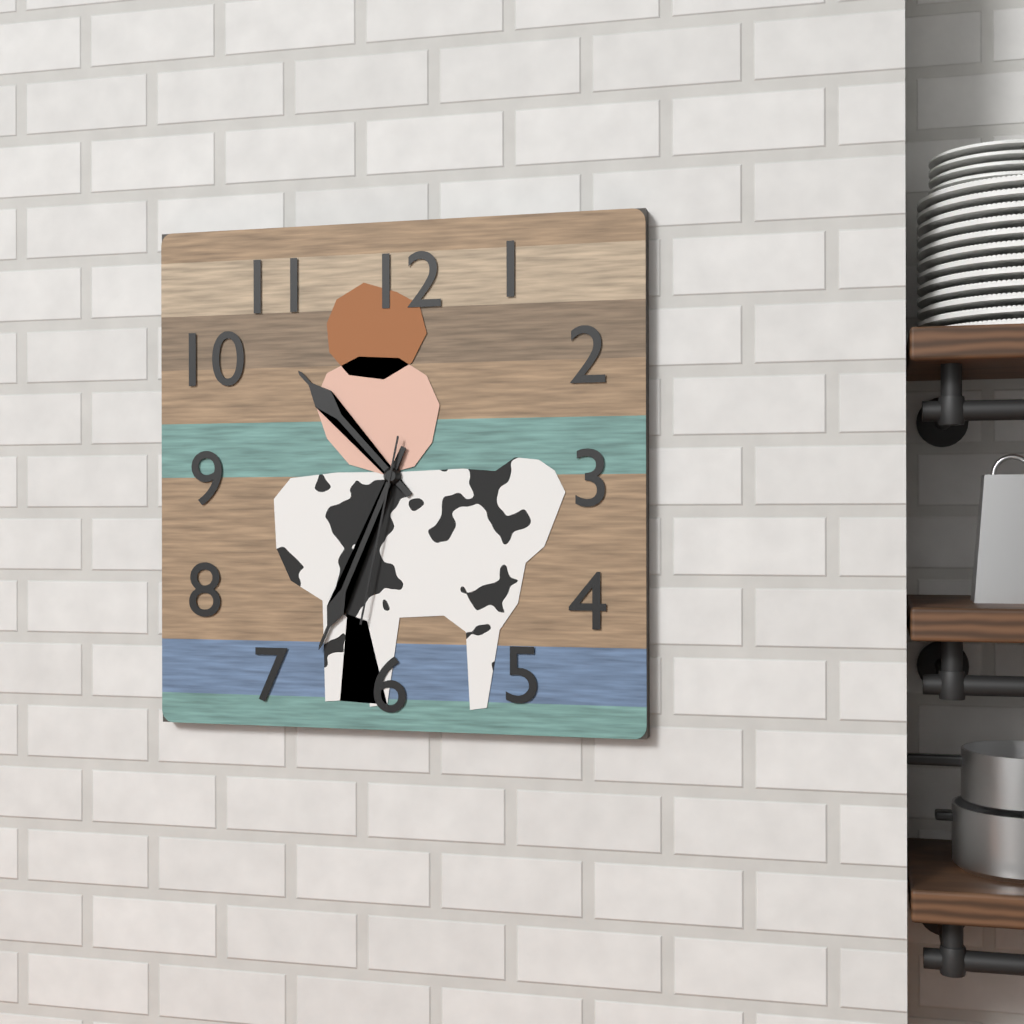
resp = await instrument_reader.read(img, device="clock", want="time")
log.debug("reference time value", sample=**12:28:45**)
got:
**10:34:32**
